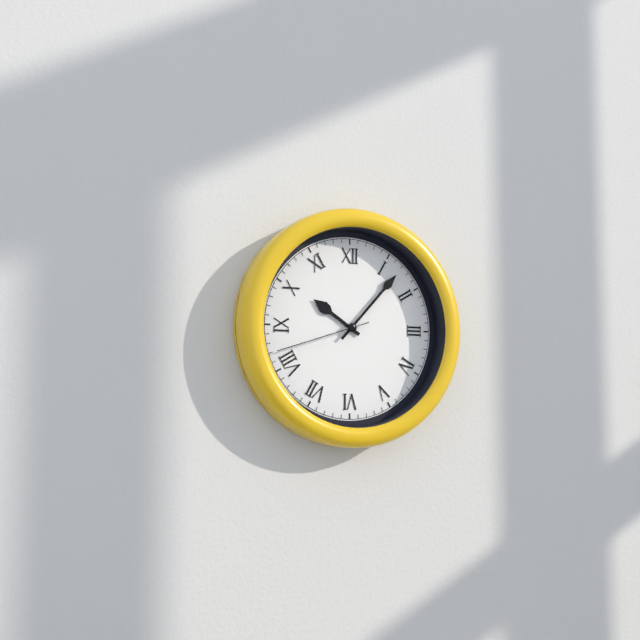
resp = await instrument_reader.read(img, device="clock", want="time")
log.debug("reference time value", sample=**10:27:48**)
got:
**10:07:42**
